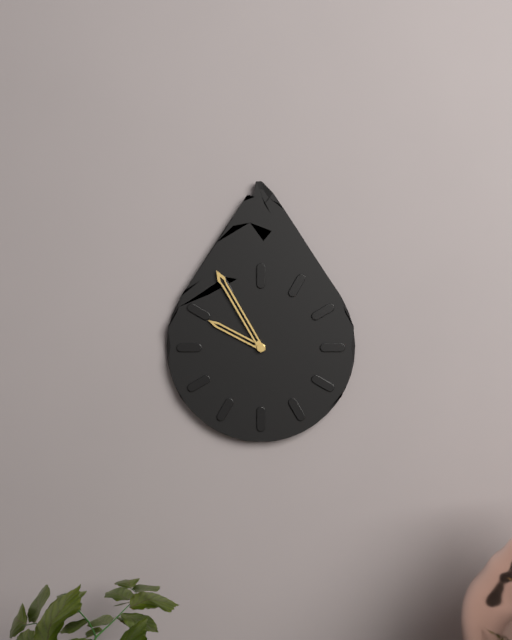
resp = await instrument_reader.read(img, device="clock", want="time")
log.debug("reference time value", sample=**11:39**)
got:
**9:55**
